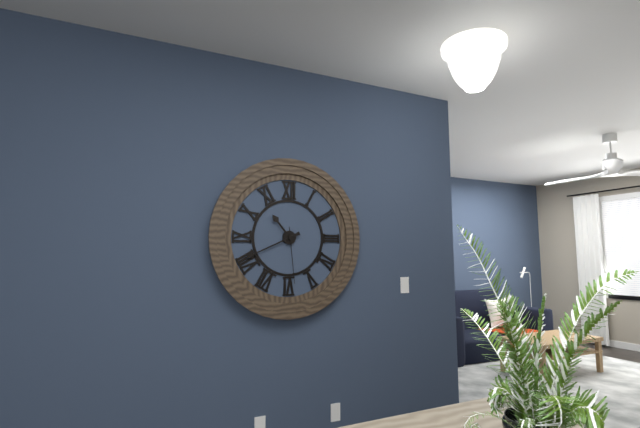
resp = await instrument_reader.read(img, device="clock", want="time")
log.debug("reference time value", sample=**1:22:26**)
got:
**10:41:29**
